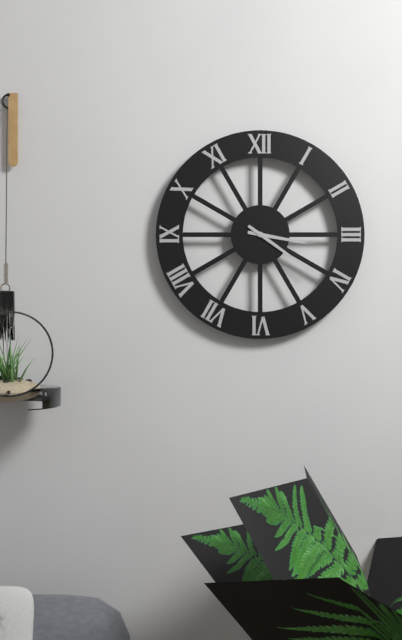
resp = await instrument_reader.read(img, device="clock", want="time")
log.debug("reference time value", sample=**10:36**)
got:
**3:21**
